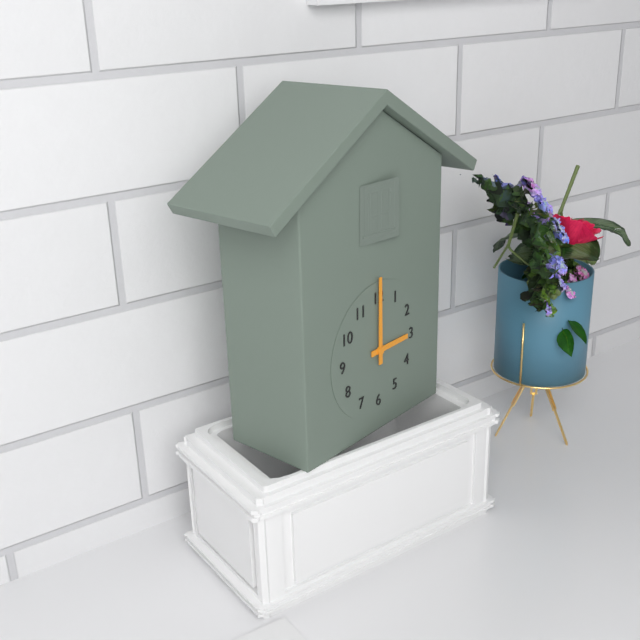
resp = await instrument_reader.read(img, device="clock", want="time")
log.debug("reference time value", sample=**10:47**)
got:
**3:00**
